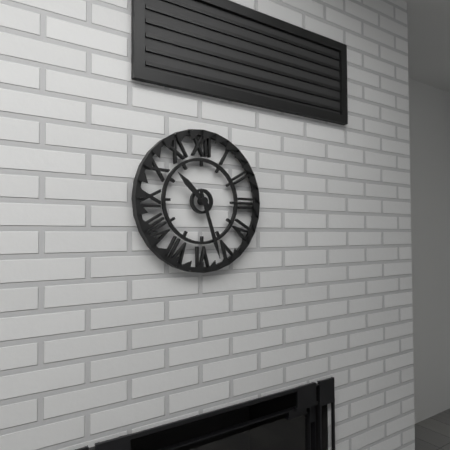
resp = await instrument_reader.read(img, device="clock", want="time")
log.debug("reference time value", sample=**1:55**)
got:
**10:27**
